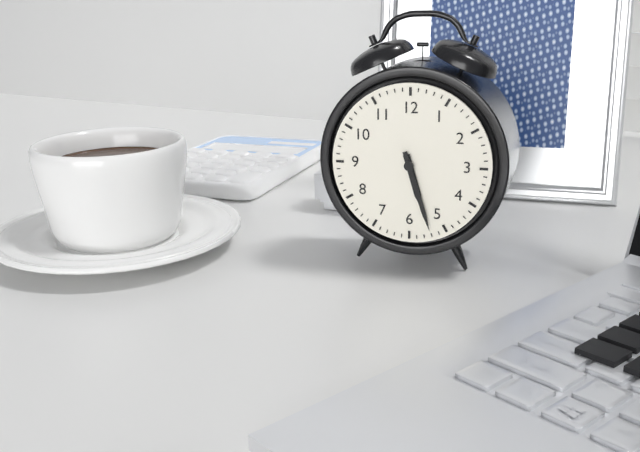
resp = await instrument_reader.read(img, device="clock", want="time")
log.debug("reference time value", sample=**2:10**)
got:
**5:27**
